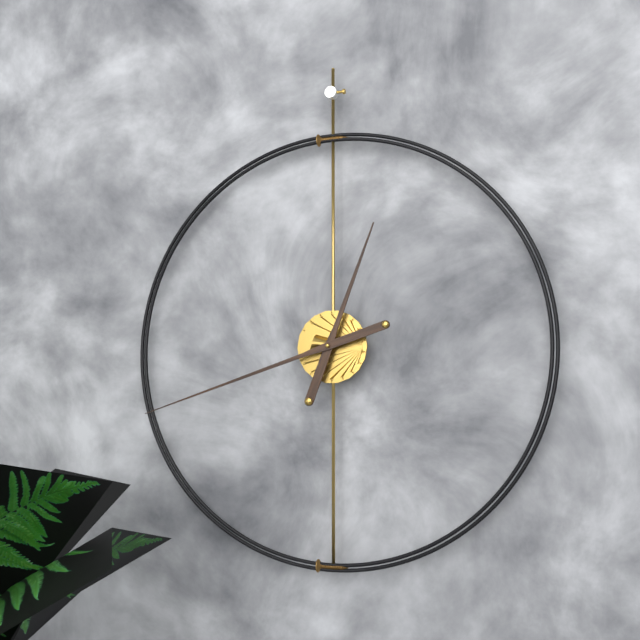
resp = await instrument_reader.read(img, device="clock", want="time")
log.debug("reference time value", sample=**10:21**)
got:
**12:42**
